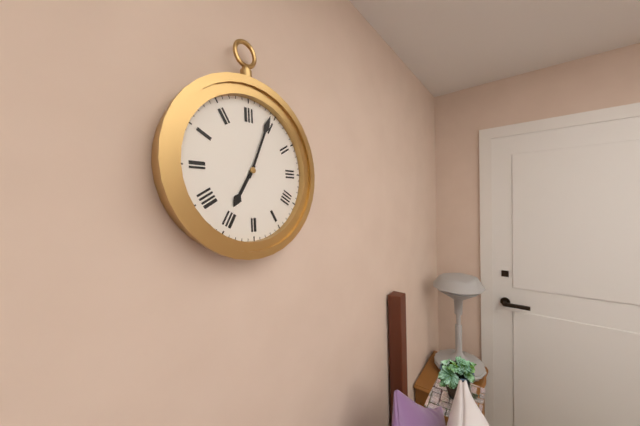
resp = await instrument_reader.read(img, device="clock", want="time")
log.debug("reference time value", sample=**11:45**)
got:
**7:04**
